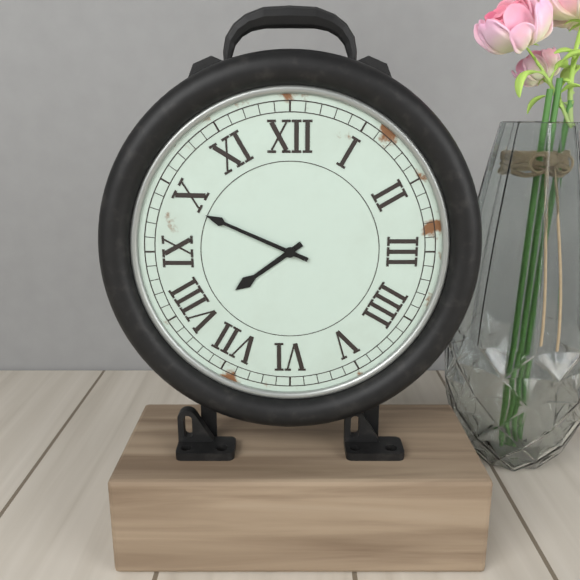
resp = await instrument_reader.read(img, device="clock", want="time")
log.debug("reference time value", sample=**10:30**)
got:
**7:49**
